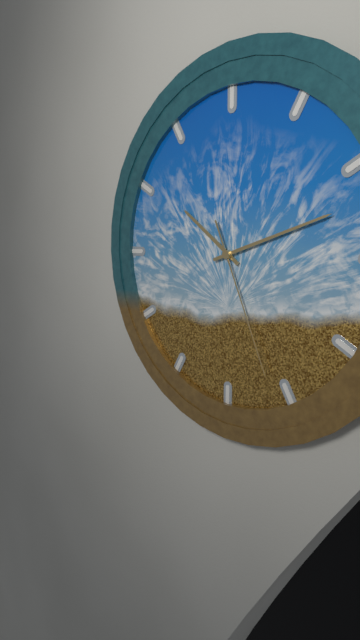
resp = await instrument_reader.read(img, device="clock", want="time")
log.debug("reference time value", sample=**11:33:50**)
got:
**10:12:26**
